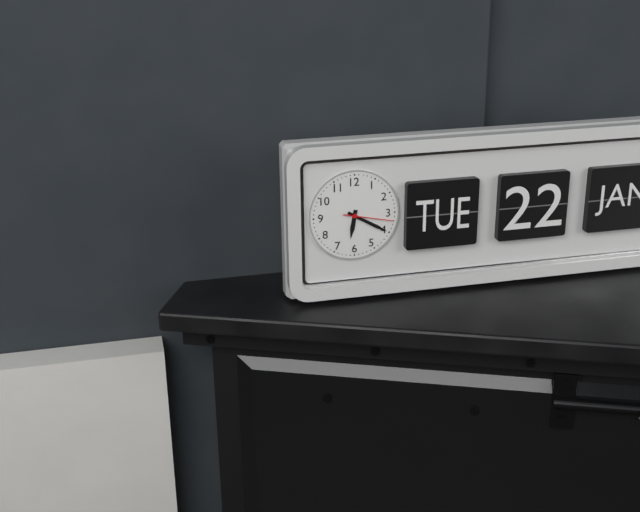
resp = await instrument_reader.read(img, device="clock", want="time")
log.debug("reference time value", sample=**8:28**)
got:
**6:20**
